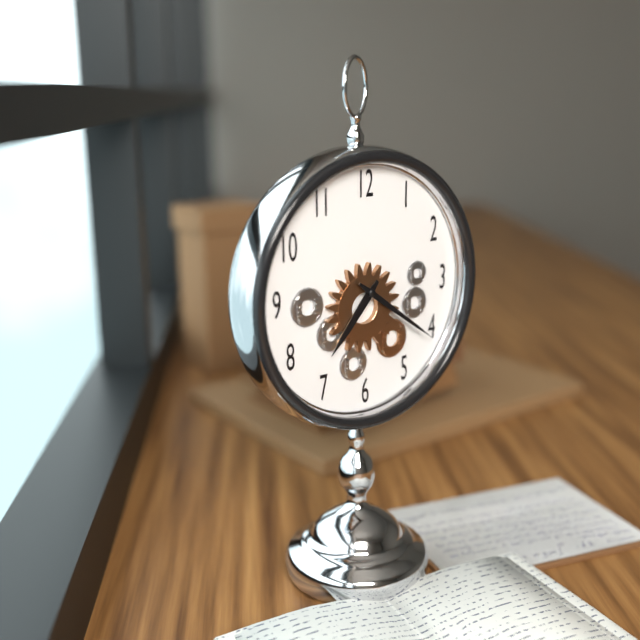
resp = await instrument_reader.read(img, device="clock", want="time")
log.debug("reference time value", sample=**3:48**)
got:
**7:21**
